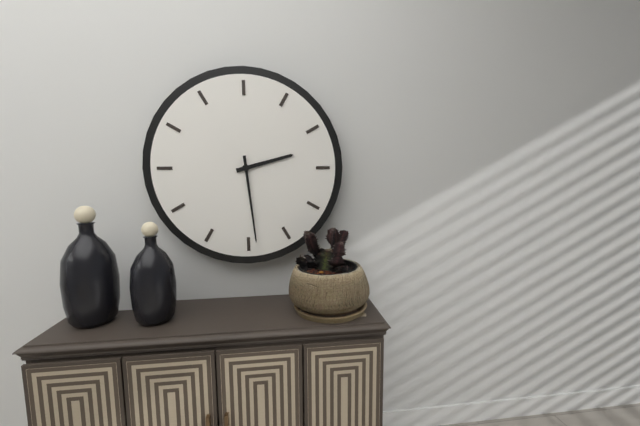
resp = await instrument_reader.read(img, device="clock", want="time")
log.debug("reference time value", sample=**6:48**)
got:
**2:29**
